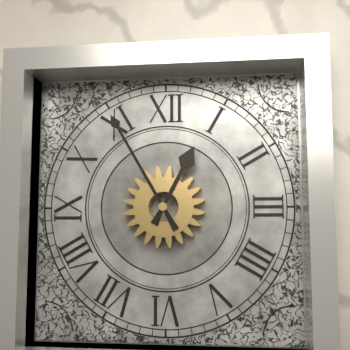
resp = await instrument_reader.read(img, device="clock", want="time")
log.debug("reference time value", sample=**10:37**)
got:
**12:55**
